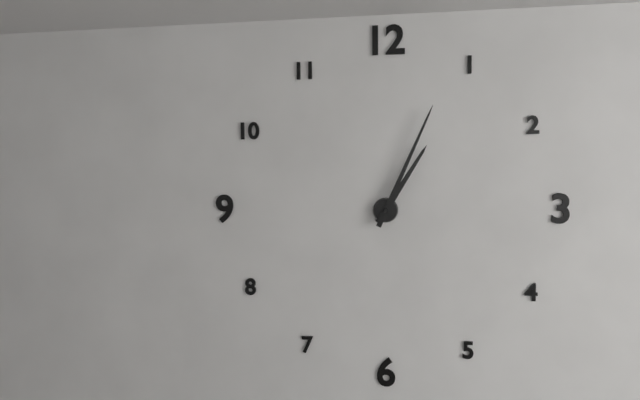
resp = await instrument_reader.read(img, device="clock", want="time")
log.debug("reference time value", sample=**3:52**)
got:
**1:04**
